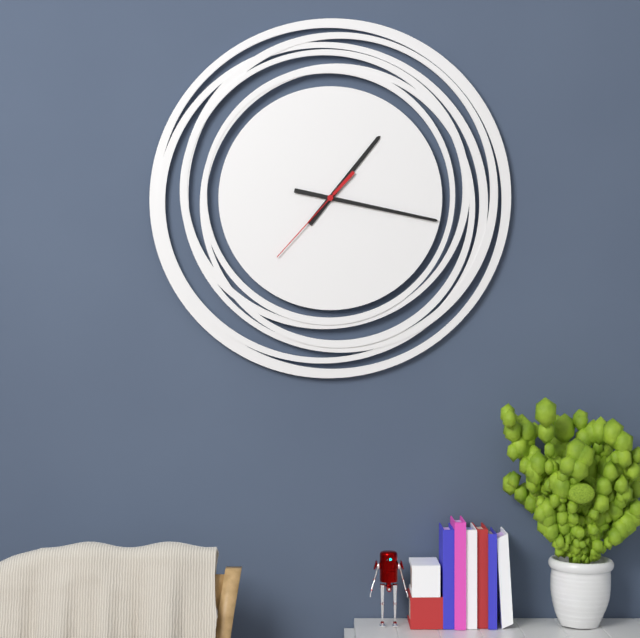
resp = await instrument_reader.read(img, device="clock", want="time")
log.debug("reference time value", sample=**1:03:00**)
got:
**1:17:37**
